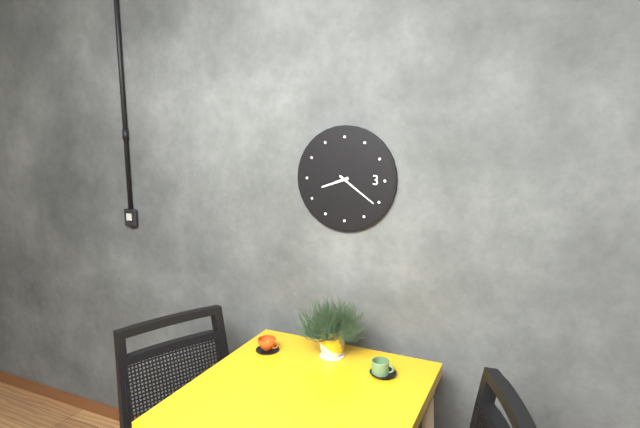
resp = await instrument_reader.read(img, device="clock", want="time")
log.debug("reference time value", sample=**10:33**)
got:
**8:21**
